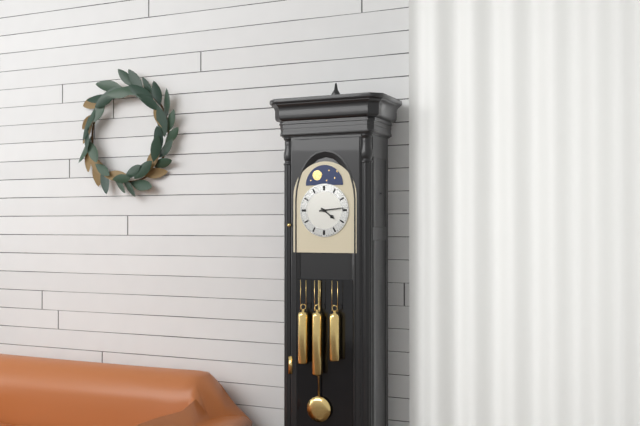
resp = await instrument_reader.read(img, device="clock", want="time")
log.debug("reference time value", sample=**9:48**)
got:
**4:14**
